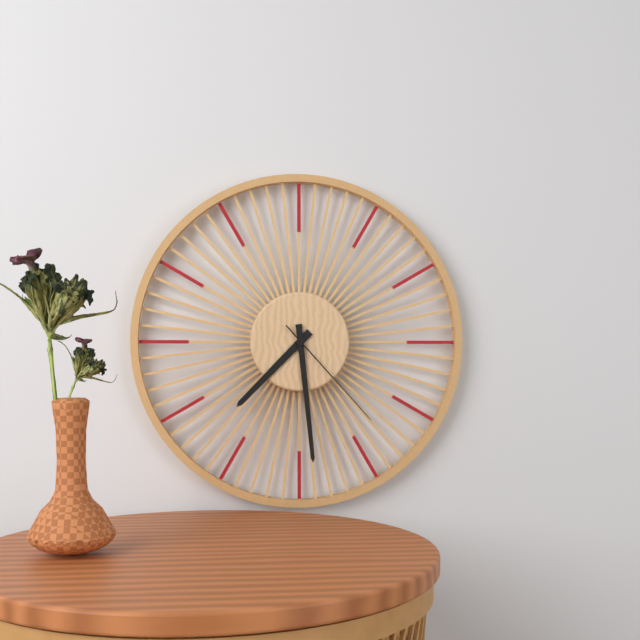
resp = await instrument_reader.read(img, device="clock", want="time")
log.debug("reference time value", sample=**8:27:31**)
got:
**7:29:23**
